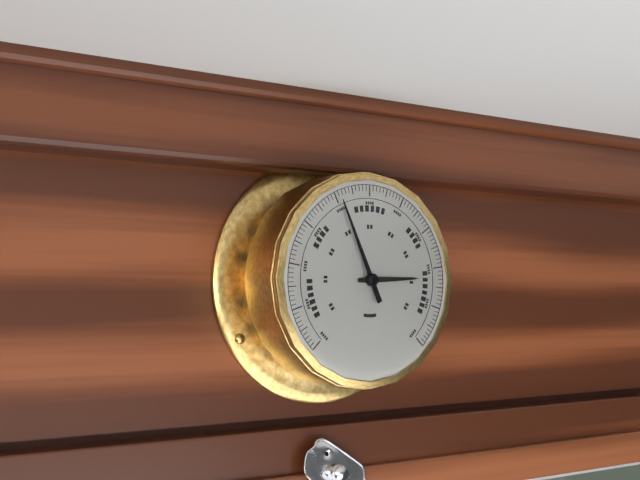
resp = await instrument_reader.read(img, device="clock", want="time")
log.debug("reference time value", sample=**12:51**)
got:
**2:56**
